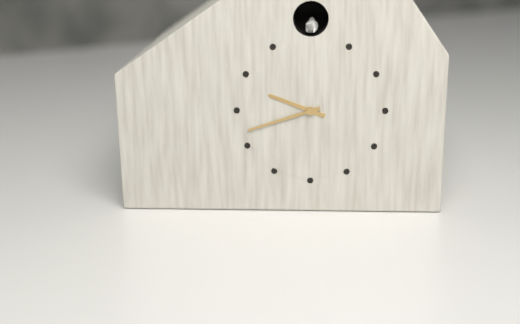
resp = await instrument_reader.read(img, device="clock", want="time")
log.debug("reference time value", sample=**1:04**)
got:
**9:42**
